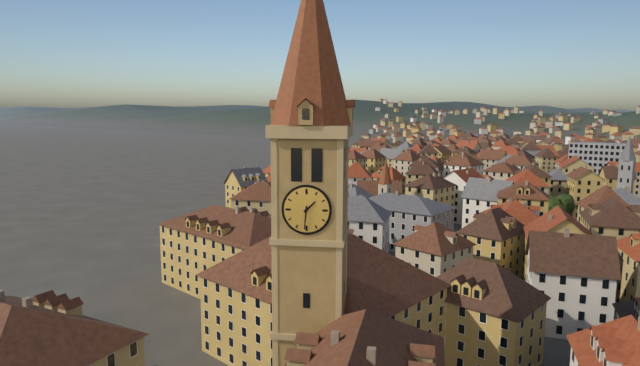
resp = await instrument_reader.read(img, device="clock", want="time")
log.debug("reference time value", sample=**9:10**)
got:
**1:31**
